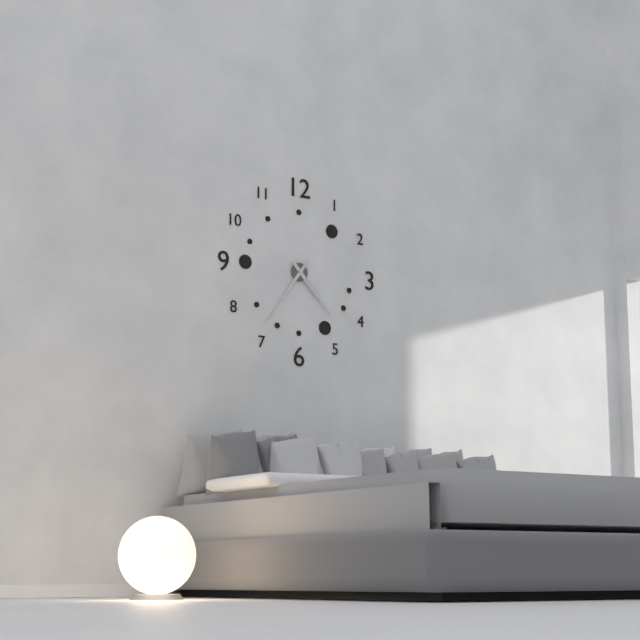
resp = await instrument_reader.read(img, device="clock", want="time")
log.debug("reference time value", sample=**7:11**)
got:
**4:36**
